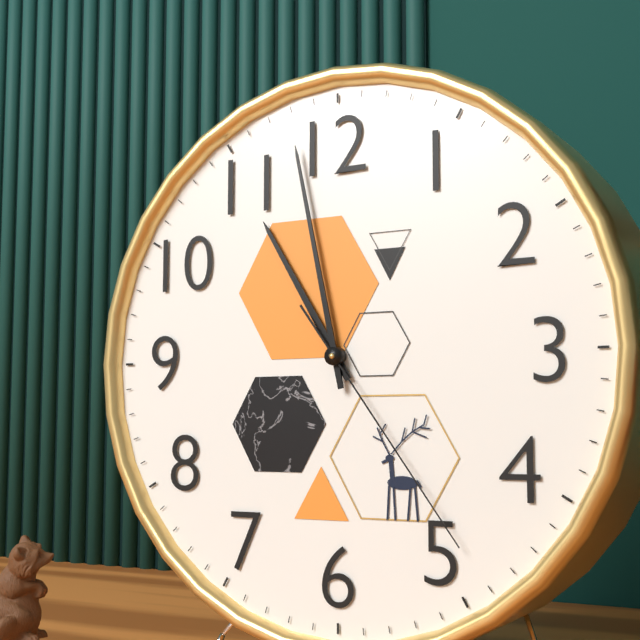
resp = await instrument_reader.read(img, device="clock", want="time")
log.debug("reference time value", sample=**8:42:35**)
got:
**10:58:24**
